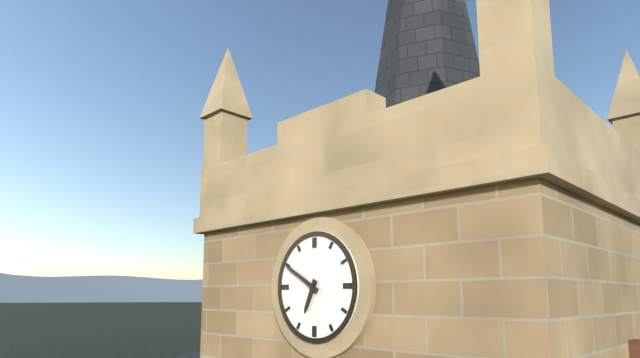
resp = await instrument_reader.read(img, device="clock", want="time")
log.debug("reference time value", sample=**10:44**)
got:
**6:50**
